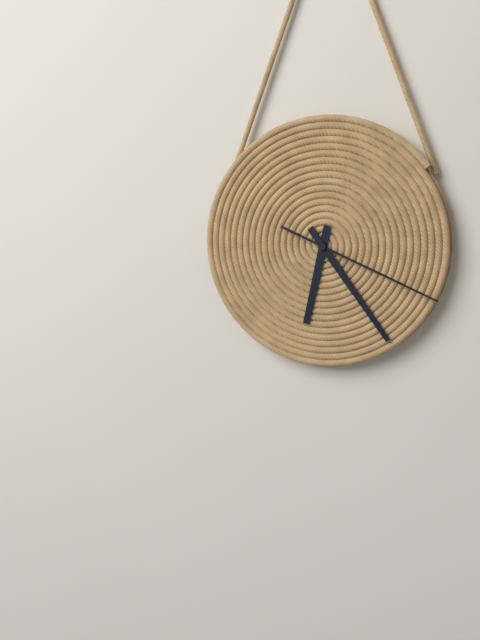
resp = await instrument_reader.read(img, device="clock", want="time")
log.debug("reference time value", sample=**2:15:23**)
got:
**6:24:19**
